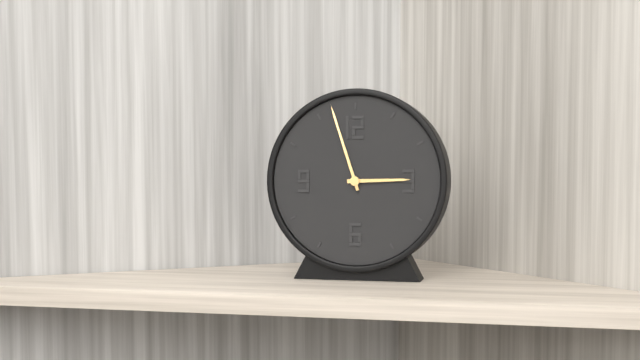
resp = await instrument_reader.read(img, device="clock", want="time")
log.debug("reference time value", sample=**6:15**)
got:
**2:57**
